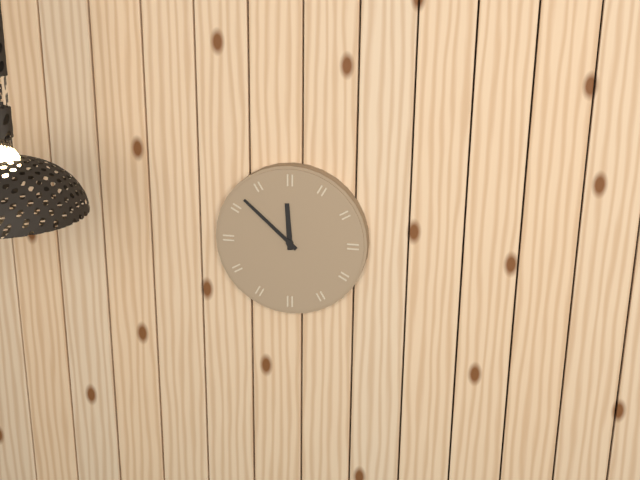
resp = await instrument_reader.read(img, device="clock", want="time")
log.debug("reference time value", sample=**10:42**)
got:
**11:52**
